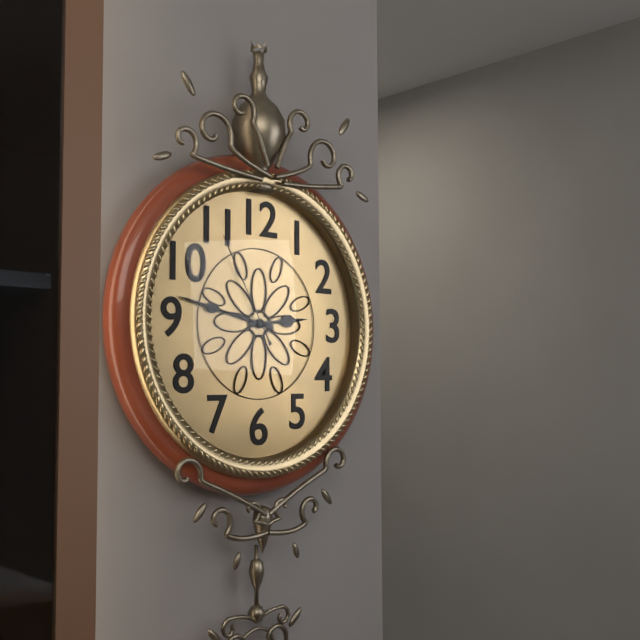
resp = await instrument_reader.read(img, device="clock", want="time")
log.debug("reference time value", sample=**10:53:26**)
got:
**2:47:55**
